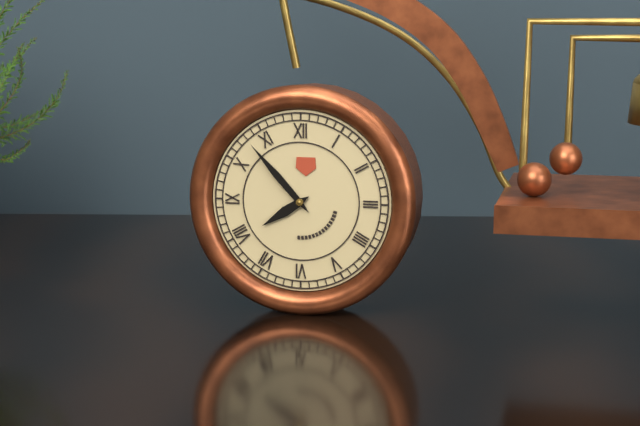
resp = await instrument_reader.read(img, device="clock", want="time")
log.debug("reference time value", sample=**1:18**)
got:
**7:53**
